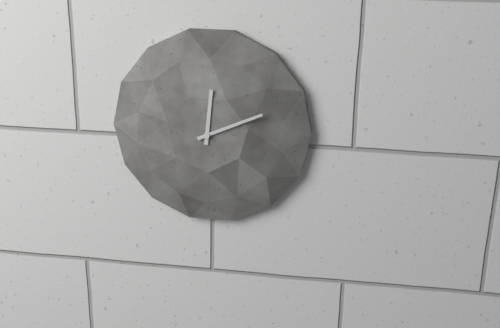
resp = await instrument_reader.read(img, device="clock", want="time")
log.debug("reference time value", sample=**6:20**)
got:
**12:11**
